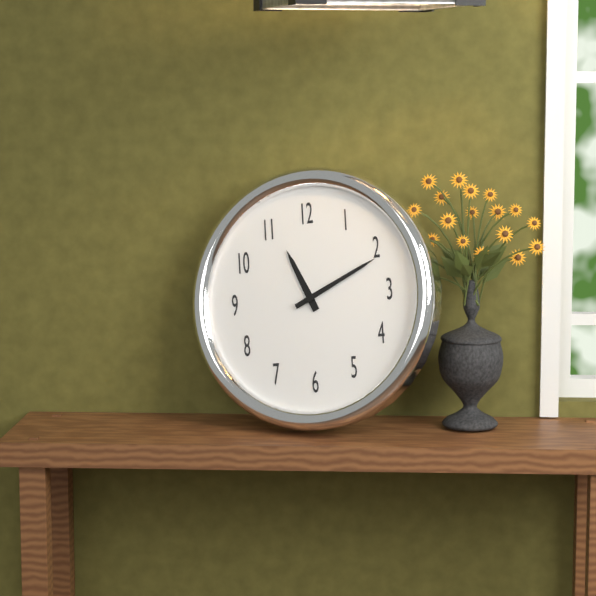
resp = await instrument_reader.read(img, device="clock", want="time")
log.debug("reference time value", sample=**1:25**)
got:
**11:11**
